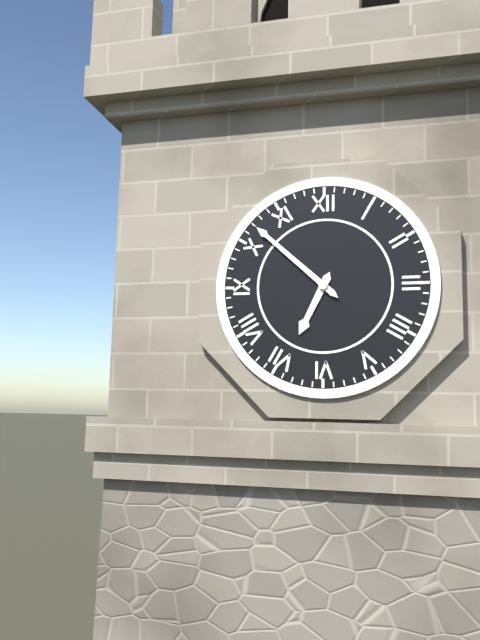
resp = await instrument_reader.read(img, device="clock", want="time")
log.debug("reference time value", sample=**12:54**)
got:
**6:52**
